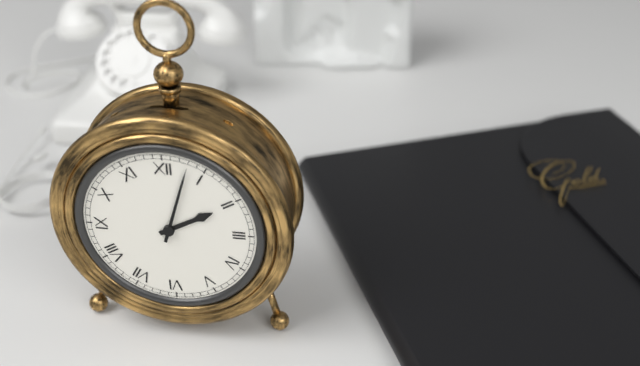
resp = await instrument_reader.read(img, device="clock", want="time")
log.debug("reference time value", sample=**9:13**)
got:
**2:03**
